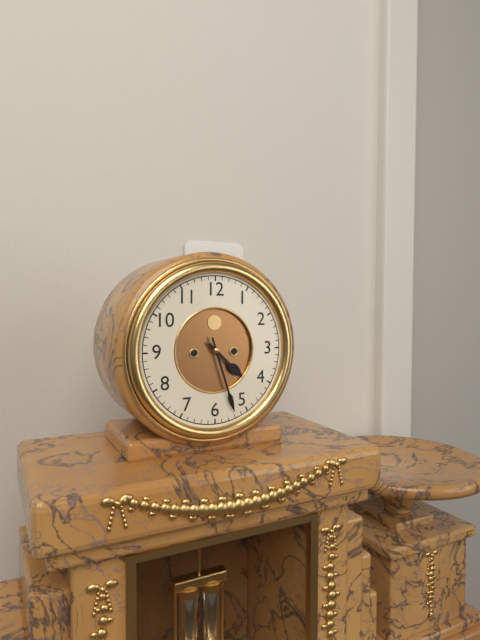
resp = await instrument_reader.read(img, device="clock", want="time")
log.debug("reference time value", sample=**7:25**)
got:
**4:27**
